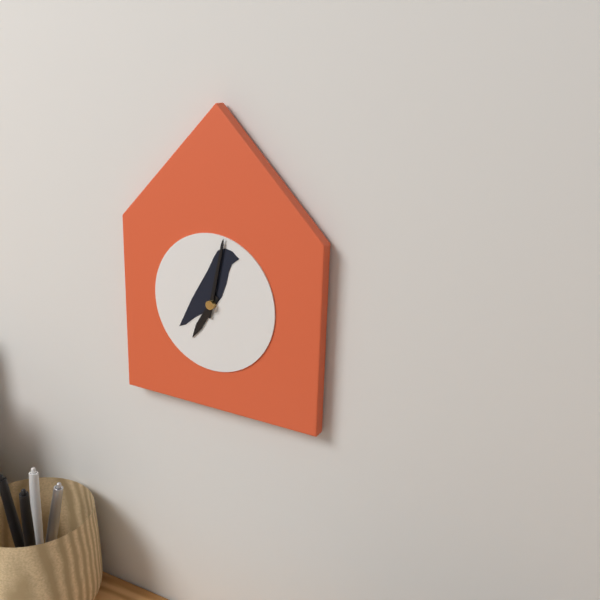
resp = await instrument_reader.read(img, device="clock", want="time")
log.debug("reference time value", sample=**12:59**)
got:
**7:02**
